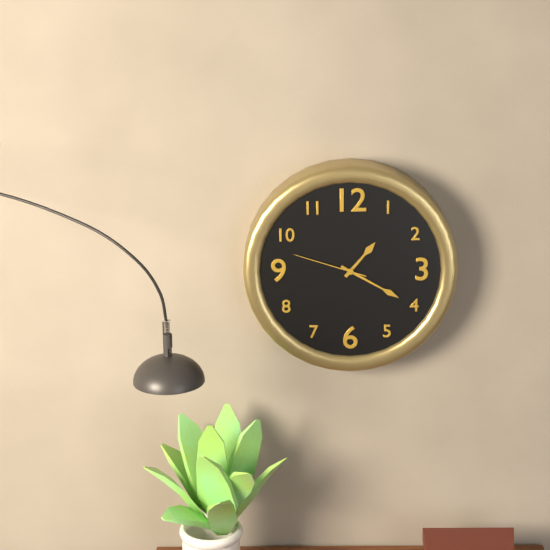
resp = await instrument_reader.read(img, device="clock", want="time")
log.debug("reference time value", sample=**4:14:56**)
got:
**1:20:48**
